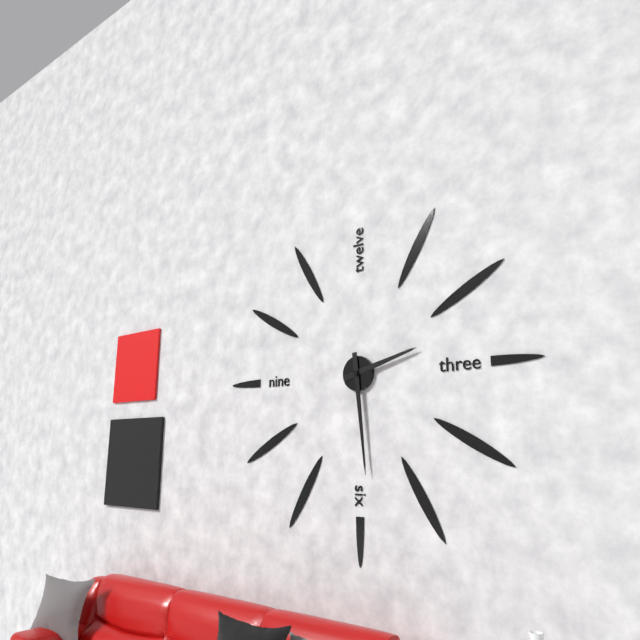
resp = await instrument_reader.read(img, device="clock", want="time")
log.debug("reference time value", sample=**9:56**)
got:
**2:29**
